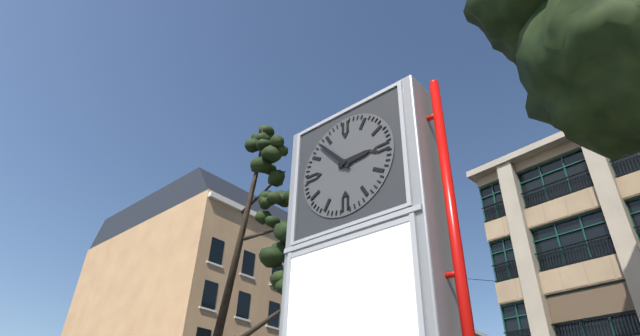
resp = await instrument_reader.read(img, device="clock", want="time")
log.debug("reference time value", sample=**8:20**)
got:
**2:53**
